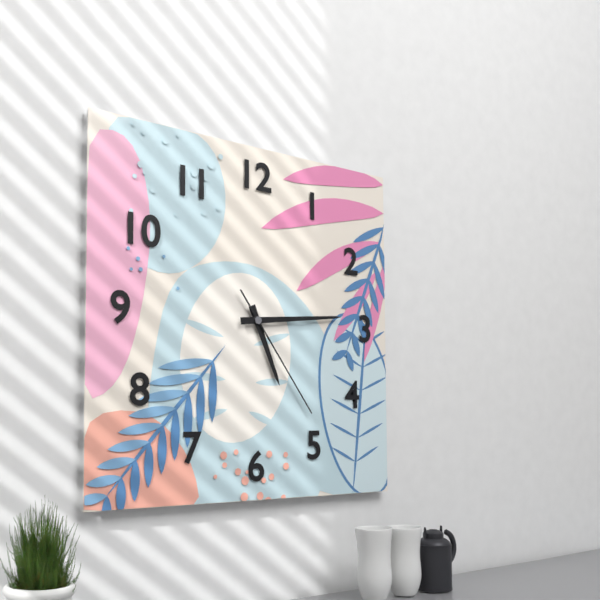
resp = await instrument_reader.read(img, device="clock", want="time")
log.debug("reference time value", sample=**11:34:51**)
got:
**5:14:24**
